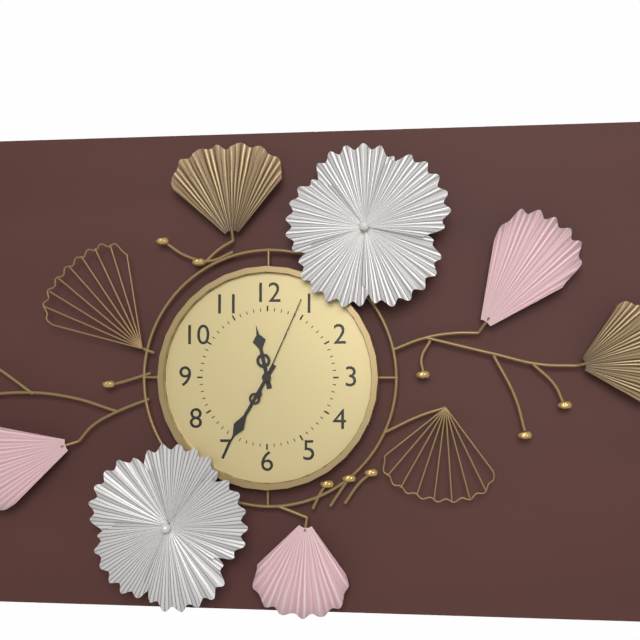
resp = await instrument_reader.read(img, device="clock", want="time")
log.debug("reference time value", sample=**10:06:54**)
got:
**11:35:04**
